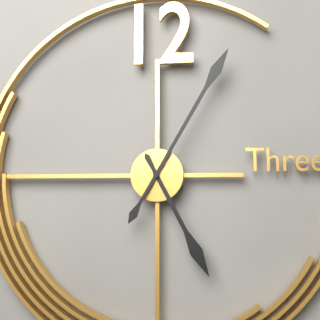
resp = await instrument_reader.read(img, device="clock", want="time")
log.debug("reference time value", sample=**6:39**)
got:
**5:05**
